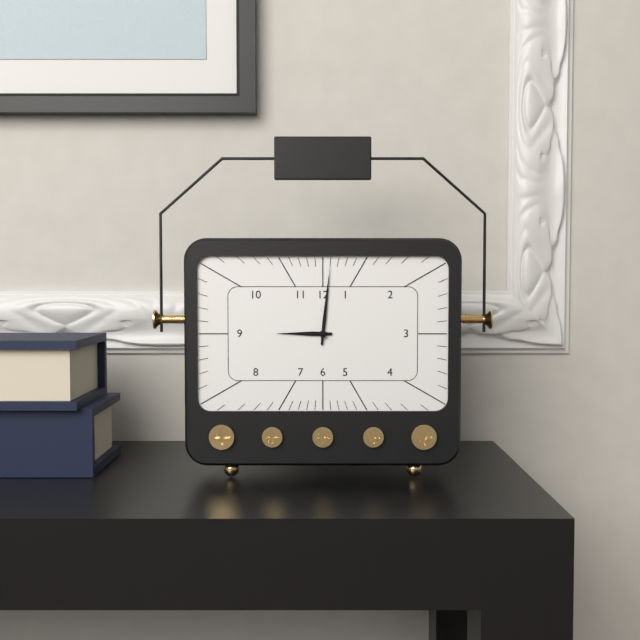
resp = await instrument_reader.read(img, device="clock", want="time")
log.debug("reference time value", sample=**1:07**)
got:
**9:01**
